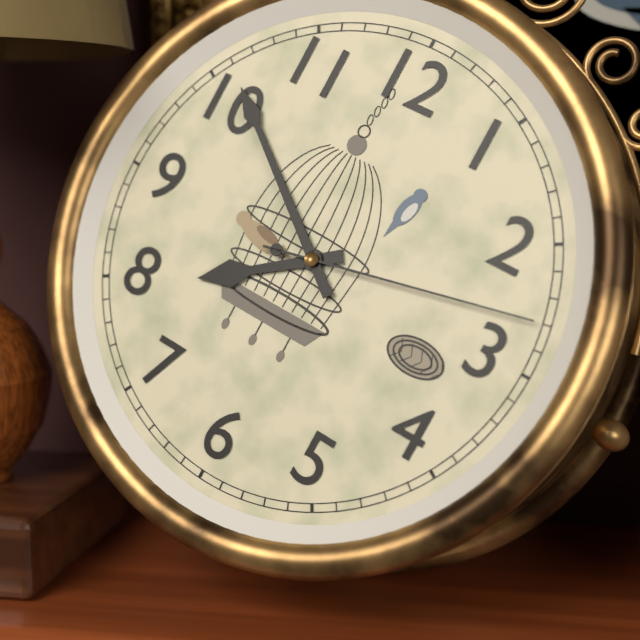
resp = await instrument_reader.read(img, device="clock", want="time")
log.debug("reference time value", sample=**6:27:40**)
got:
**7:51:13**
